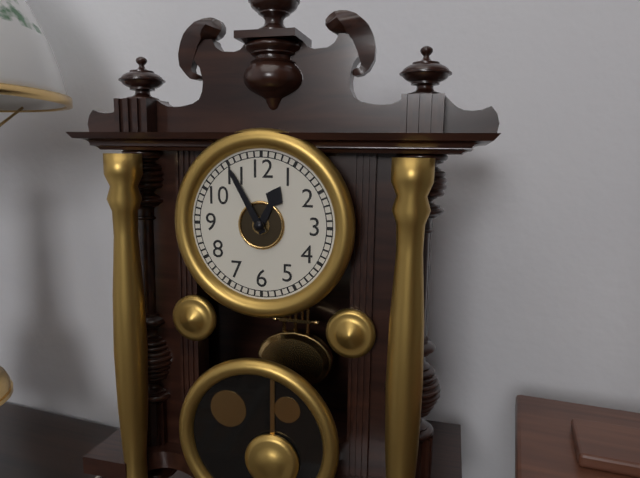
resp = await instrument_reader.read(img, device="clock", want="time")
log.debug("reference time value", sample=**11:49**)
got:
**12:55**
